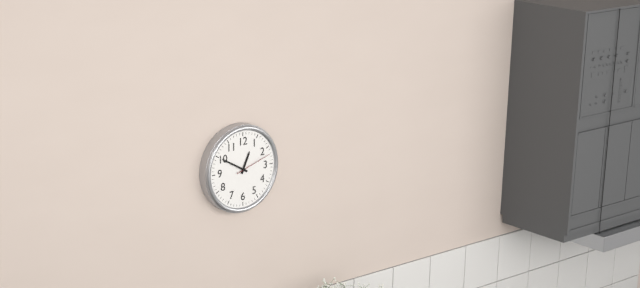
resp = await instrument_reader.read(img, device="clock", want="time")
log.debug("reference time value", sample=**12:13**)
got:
**12:50**
